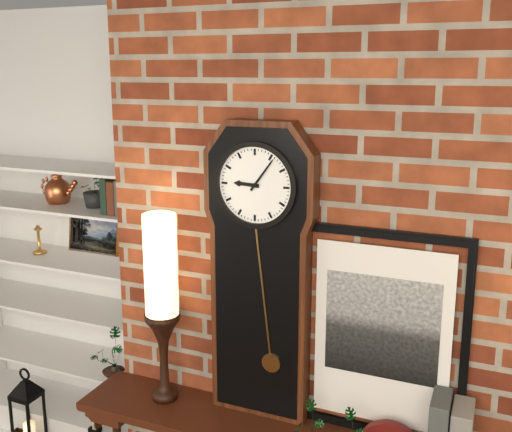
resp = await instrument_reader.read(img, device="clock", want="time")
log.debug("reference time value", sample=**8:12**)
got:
**9:06**
